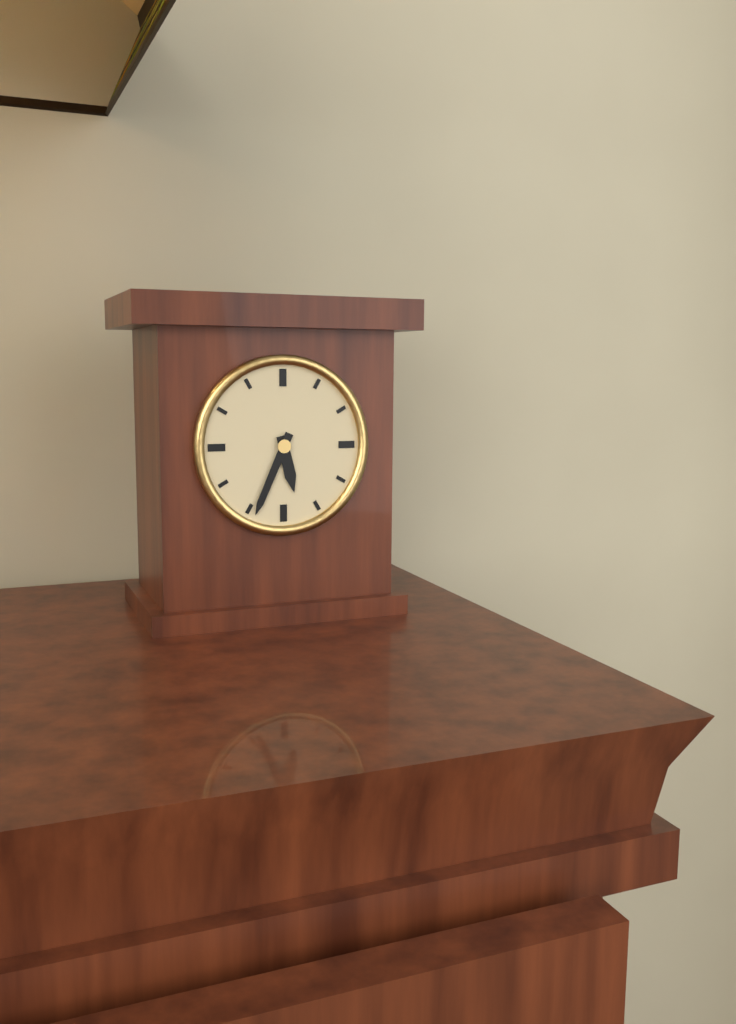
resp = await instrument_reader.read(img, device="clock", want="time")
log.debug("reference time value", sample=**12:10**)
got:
**5:34**
